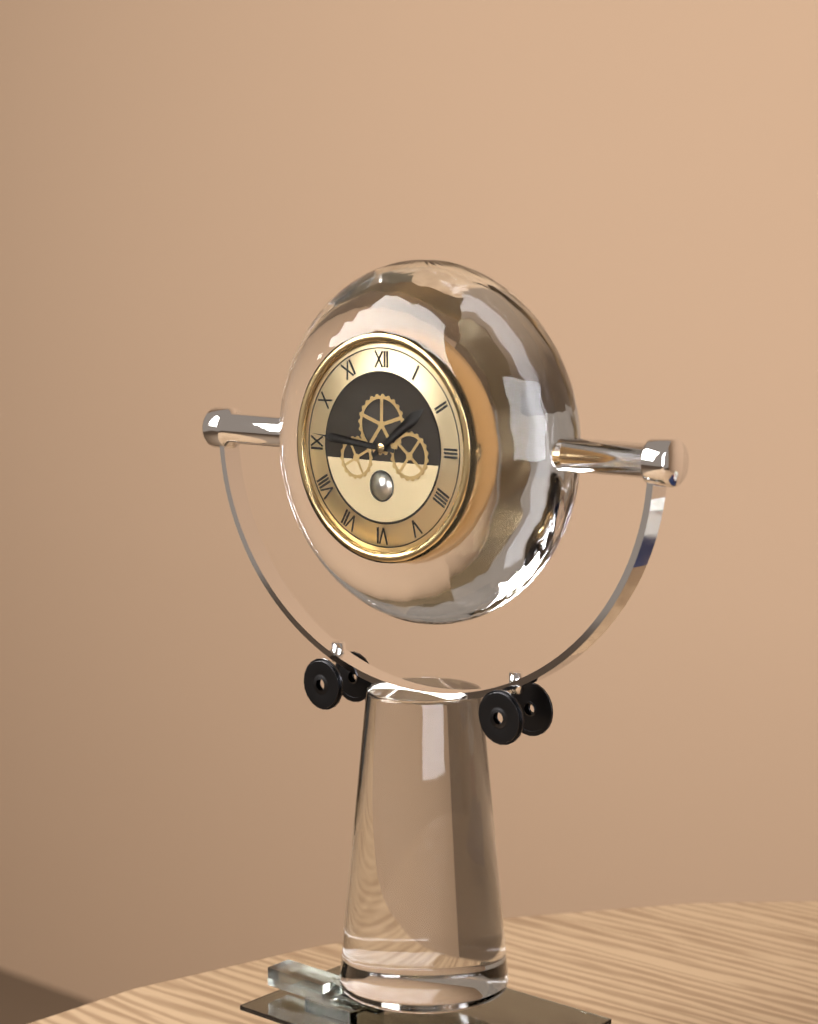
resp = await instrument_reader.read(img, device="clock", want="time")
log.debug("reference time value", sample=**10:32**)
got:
**1:46**
